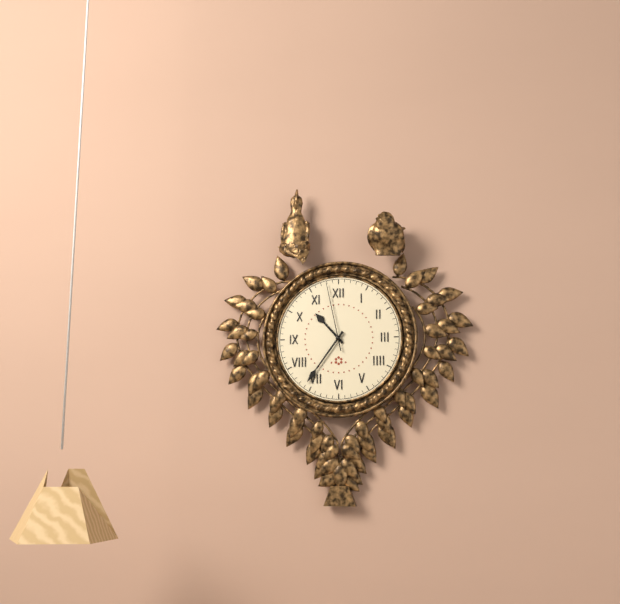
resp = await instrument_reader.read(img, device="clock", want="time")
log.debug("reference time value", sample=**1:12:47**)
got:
**10:36:58**
